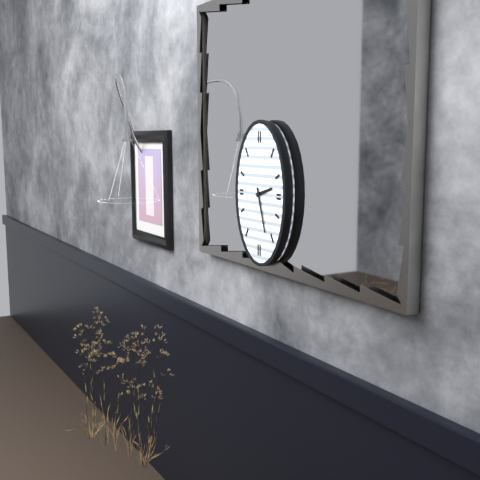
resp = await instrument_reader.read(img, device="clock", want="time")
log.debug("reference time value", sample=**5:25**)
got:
**2:27**
